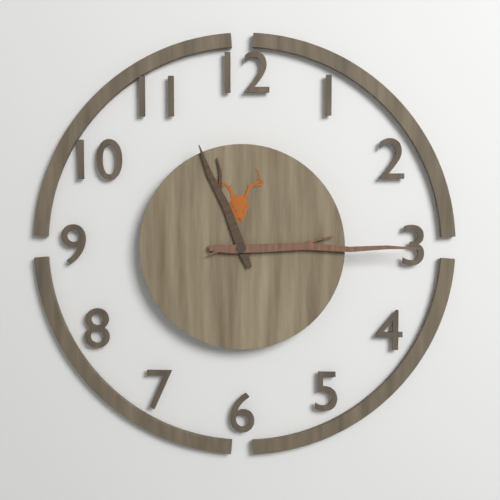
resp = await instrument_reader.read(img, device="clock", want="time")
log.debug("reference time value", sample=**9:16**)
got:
**11:15**
